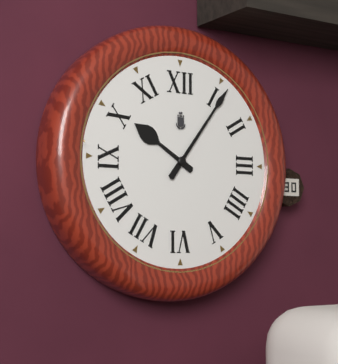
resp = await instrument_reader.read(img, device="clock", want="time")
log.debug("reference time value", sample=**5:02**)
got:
**10:06**
